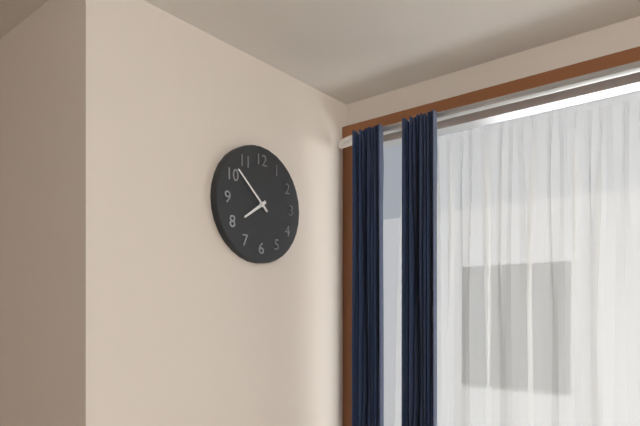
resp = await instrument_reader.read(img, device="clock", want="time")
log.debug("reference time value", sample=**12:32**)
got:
**7:52**
